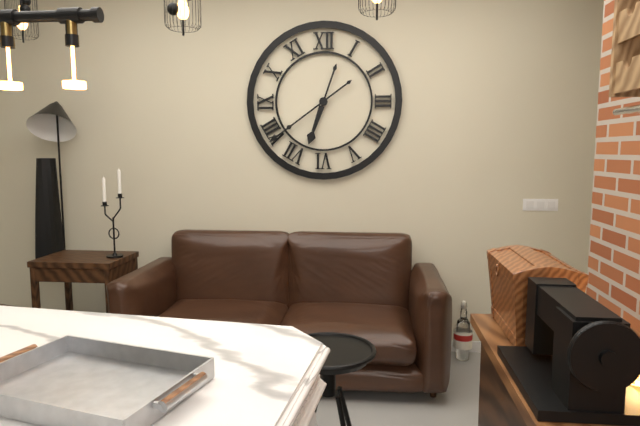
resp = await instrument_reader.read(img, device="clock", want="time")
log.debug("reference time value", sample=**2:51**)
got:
**6:39**
